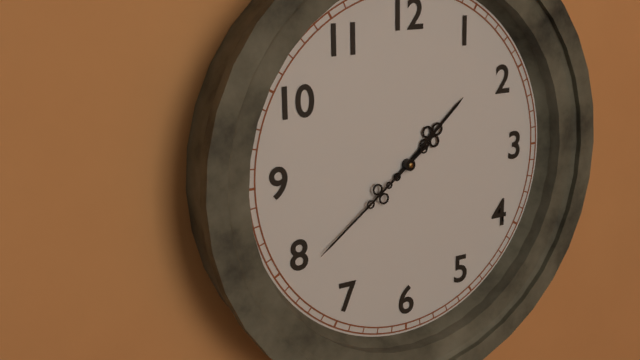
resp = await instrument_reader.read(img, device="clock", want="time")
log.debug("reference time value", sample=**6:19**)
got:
**1:39**
